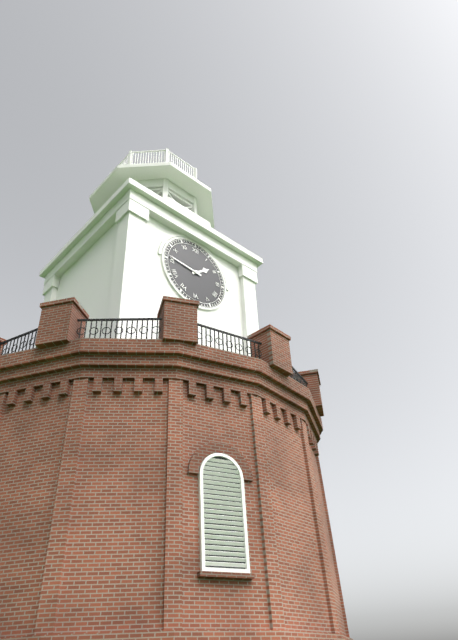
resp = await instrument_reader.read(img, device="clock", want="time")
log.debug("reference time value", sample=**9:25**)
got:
**1:46**
